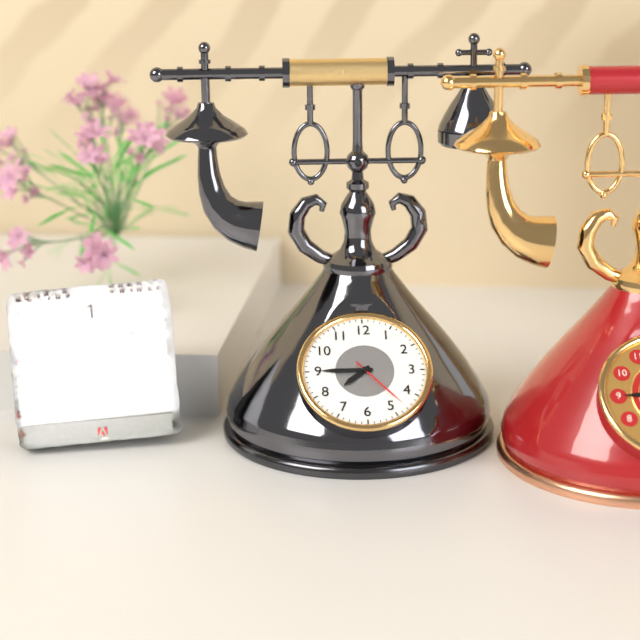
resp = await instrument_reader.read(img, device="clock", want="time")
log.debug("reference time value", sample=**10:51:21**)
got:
**7:45:23**
